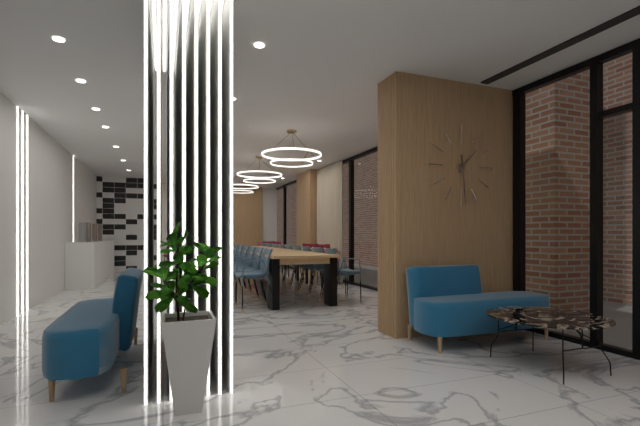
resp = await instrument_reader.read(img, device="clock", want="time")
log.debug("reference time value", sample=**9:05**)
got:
**1:29**
